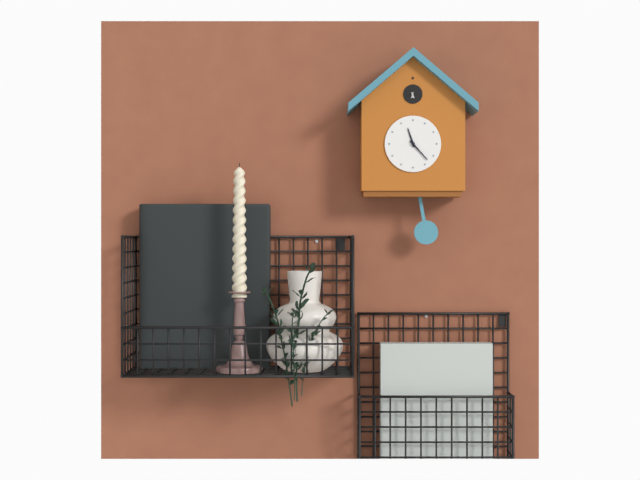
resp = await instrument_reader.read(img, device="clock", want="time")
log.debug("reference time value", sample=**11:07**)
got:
**11:23**
